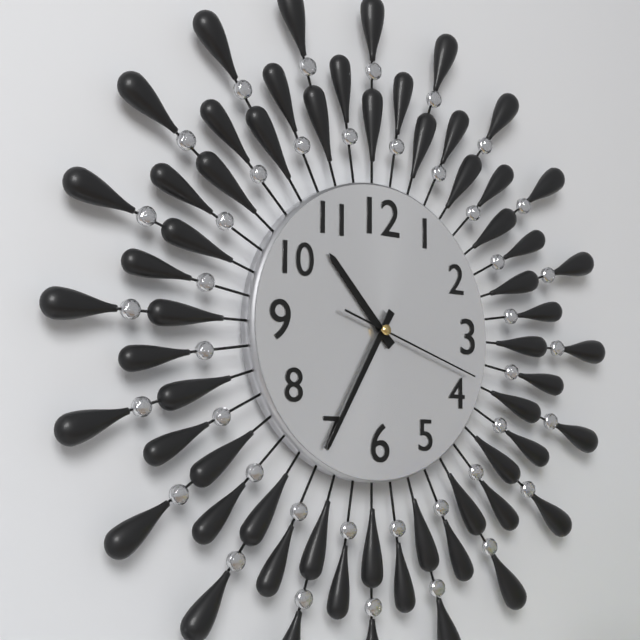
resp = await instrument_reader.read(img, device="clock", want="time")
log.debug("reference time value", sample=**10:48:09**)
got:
**10:35:18**
